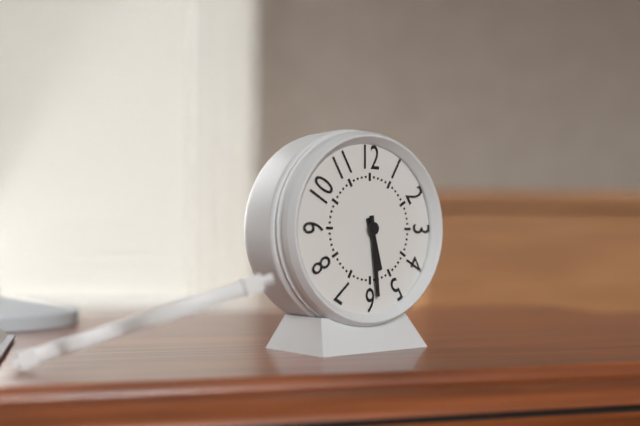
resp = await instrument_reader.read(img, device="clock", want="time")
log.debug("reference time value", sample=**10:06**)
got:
**5:29**
